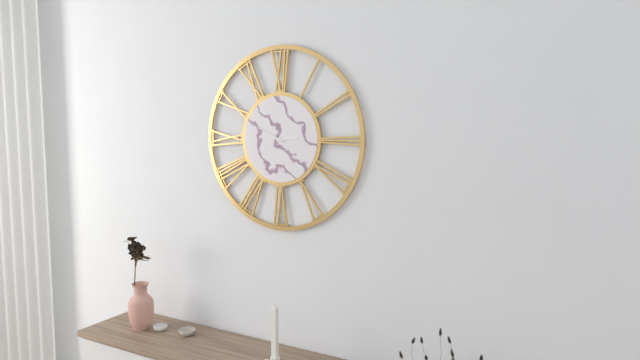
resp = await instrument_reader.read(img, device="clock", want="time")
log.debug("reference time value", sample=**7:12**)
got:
**2:49**
